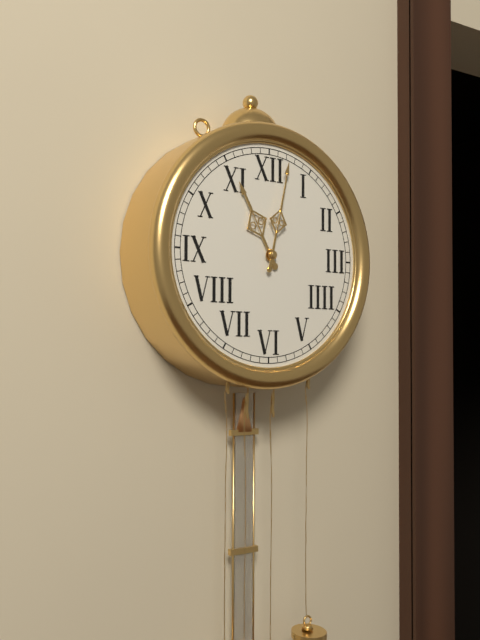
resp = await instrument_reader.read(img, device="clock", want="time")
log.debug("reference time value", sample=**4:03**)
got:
**11:02**
